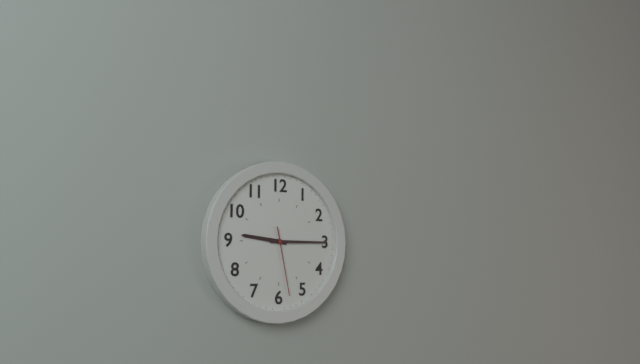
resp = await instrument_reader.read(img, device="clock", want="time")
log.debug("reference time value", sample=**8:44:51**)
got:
**9:15:28**
